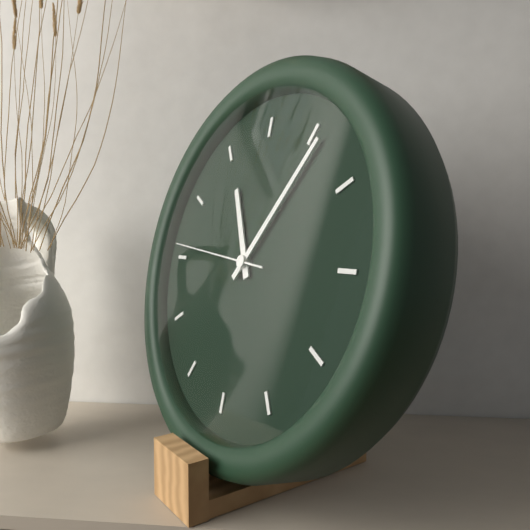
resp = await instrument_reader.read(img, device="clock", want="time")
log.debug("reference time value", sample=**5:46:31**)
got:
**11:06:46**
